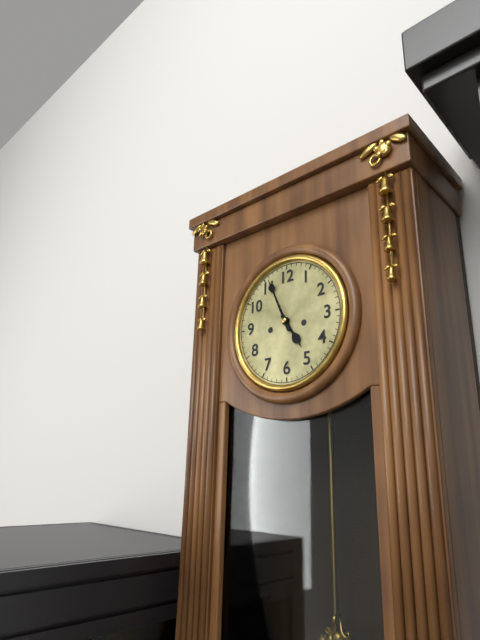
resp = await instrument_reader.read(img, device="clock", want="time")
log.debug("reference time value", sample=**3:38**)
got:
**4:56**
